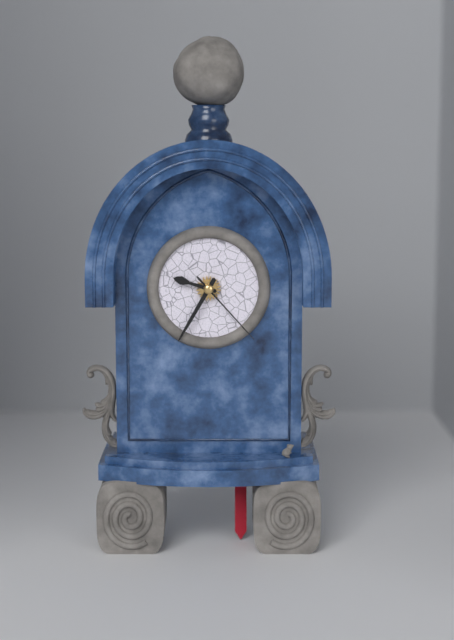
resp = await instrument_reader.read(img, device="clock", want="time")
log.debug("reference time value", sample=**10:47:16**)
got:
**9:35:23**
